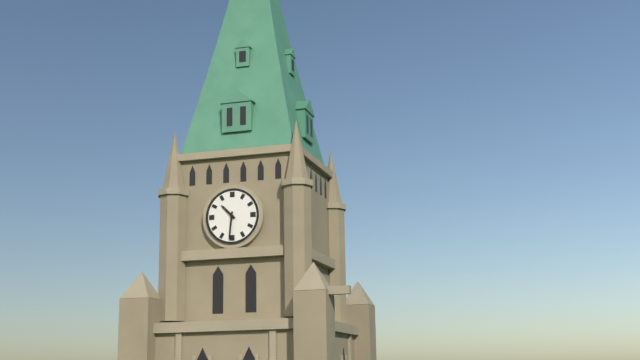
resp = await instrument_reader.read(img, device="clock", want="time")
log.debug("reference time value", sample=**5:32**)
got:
**10:31**
